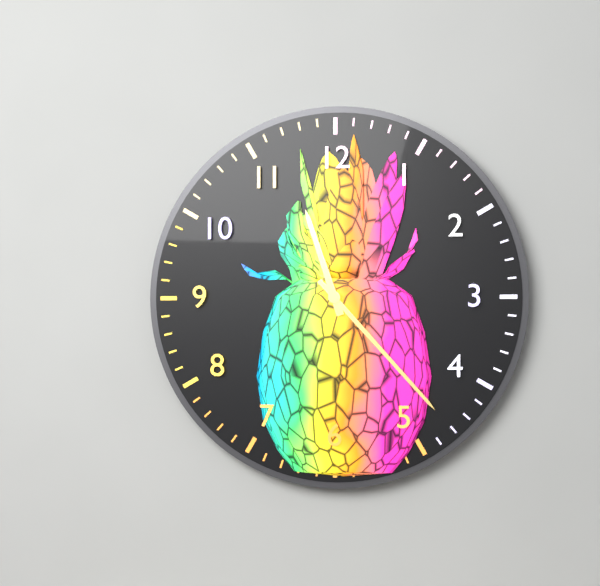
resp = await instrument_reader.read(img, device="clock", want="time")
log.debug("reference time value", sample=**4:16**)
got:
**11:23**
